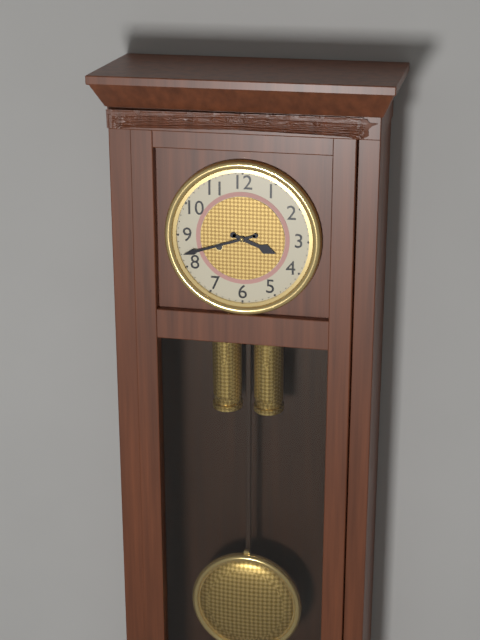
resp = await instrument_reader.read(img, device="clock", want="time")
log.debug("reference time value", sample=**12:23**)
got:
**3:42**
